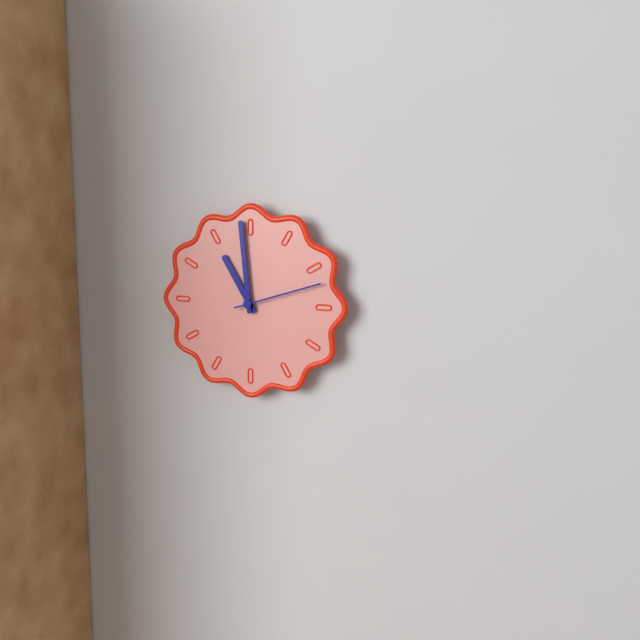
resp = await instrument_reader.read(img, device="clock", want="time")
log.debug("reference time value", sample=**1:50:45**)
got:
**10:59:12**
